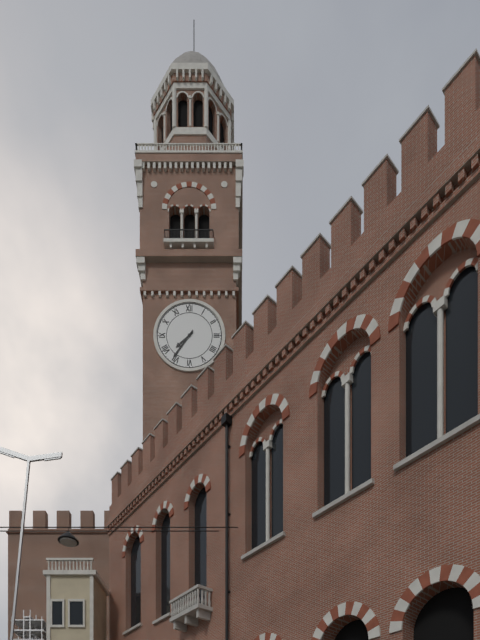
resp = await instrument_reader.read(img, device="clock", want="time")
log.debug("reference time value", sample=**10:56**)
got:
**7:36**
